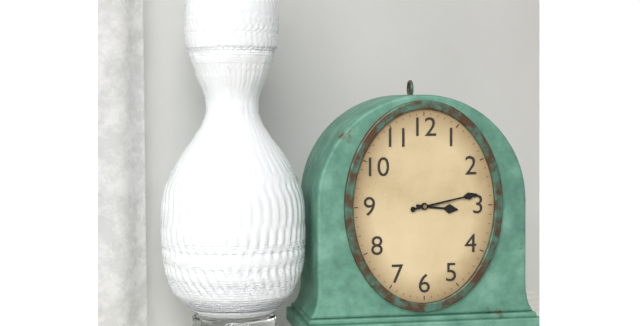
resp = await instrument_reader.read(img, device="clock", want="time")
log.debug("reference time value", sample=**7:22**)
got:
**3:13**
